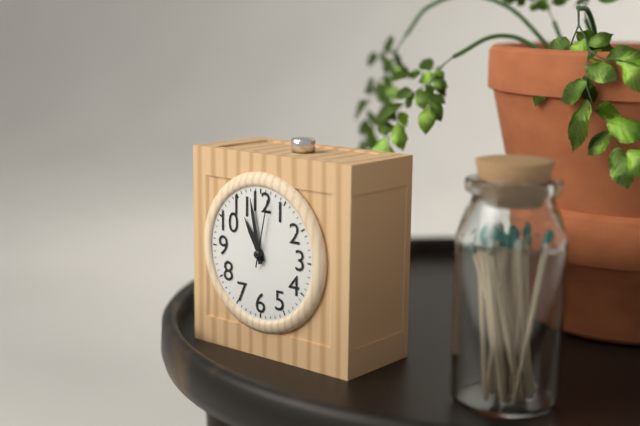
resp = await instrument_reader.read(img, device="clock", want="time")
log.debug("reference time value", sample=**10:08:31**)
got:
**10:58:02**
